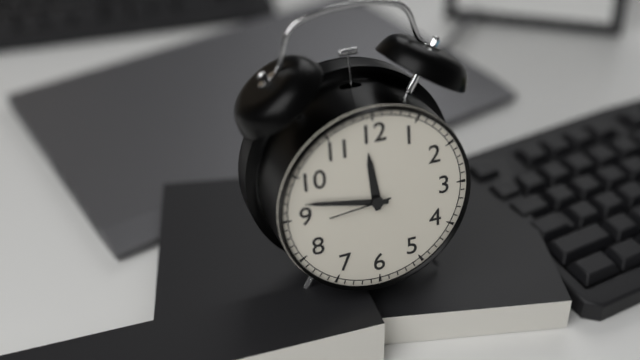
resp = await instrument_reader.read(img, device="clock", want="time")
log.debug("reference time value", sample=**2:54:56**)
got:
**11:47:44**
